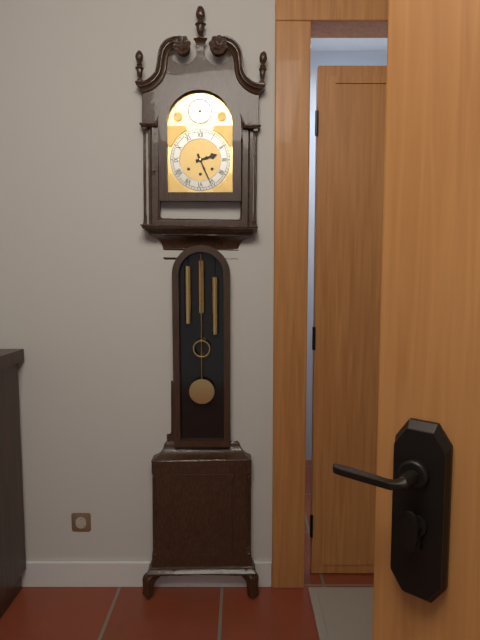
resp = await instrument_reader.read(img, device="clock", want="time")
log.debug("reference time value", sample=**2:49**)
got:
**2:26**
